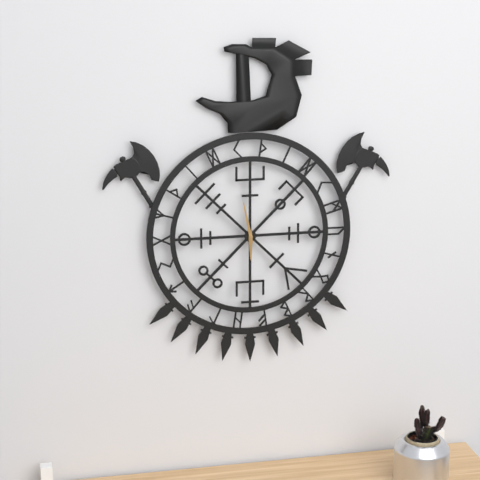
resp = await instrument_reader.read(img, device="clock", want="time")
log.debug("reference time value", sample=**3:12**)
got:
**5:58**
